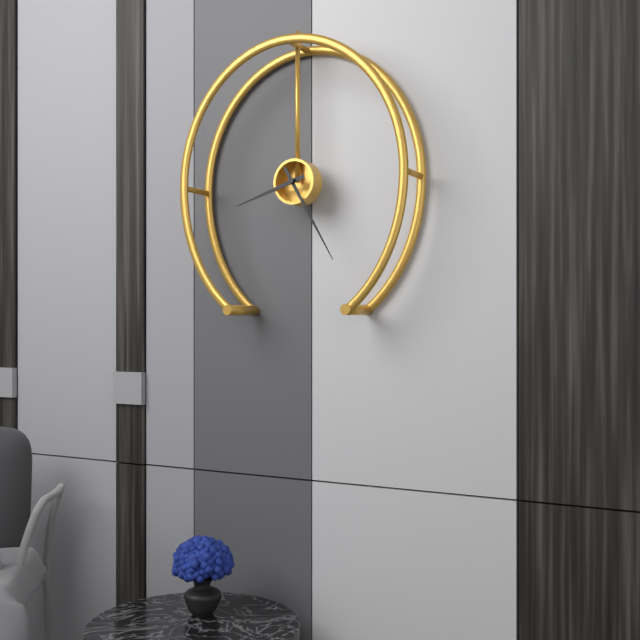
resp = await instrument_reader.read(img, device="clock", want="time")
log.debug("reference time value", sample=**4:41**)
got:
**8:25**
